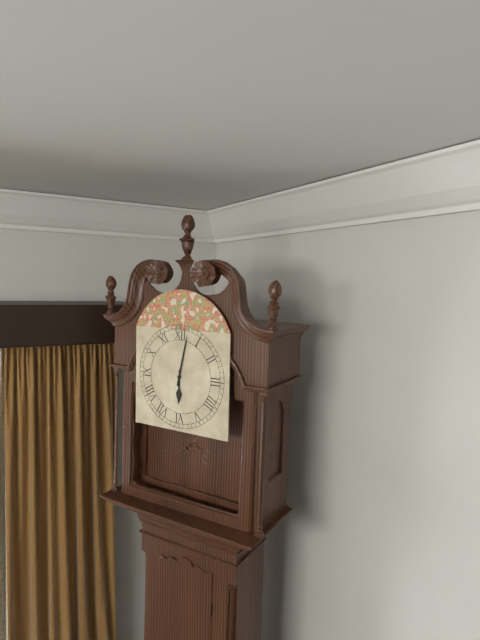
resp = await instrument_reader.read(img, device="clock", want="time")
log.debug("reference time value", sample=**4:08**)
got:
**6:02**
